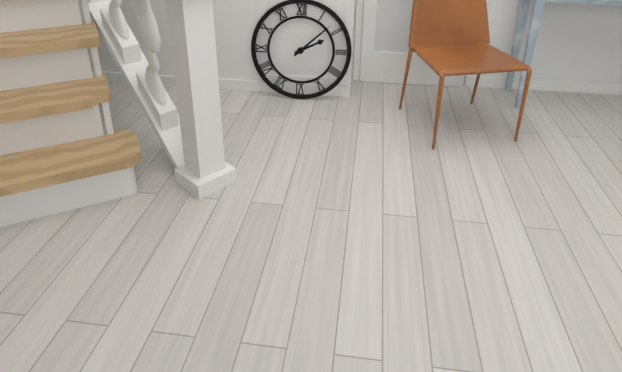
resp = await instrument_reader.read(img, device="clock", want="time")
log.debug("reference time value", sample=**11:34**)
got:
**2:08**
